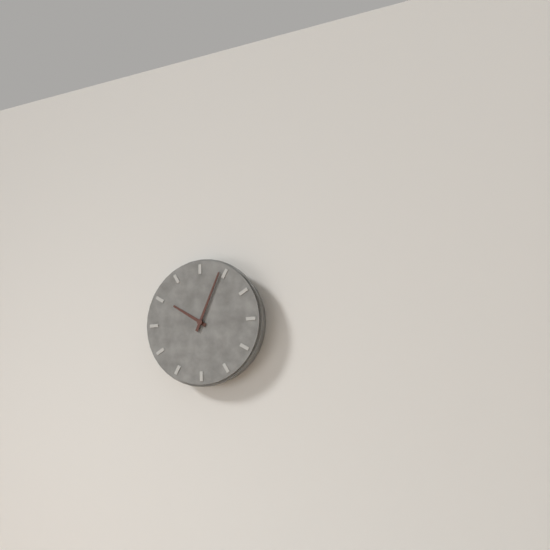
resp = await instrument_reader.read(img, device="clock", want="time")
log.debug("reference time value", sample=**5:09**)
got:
**10:04**
